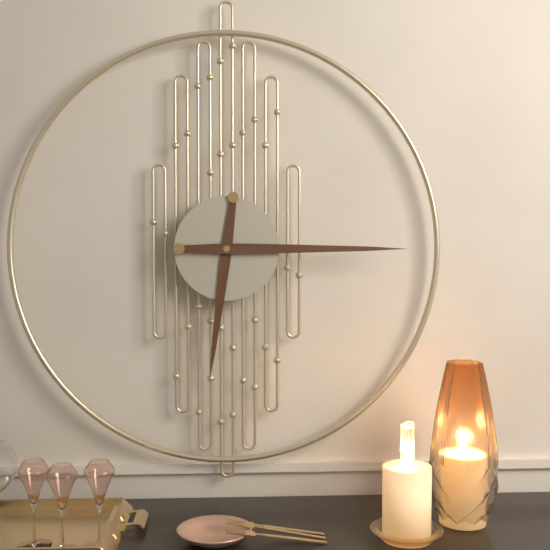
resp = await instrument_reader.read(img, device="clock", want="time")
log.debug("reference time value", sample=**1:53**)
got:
**6:15**
